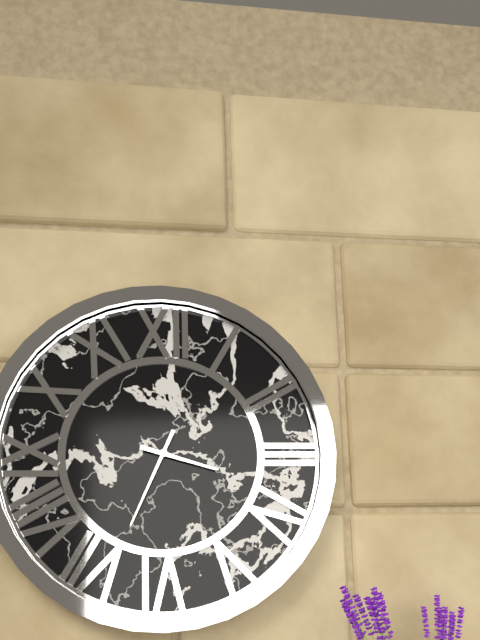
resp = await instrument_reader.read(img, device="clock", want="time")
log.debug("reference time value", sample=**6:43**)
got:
**3:34**
